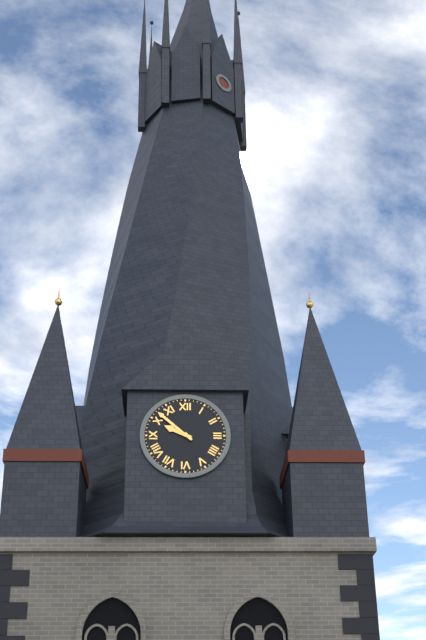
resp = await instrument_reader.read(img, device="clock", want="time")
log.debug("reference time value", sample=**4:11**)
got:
**9:52**
